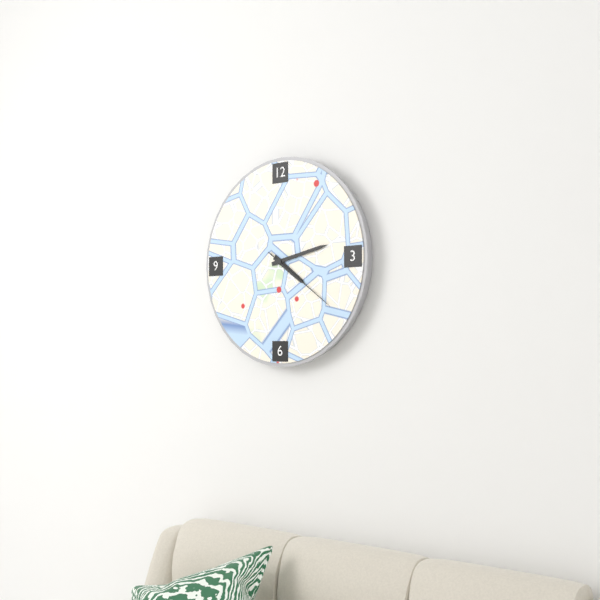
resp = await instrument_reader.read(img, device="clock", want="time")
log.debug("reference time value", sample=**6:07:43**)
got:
**4:13:21**
